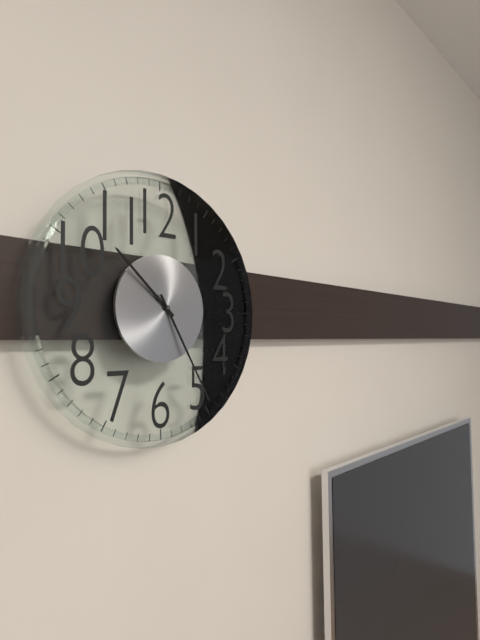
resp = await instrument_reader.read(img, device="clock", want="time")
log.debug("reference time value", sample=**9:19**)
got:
**10:25**
